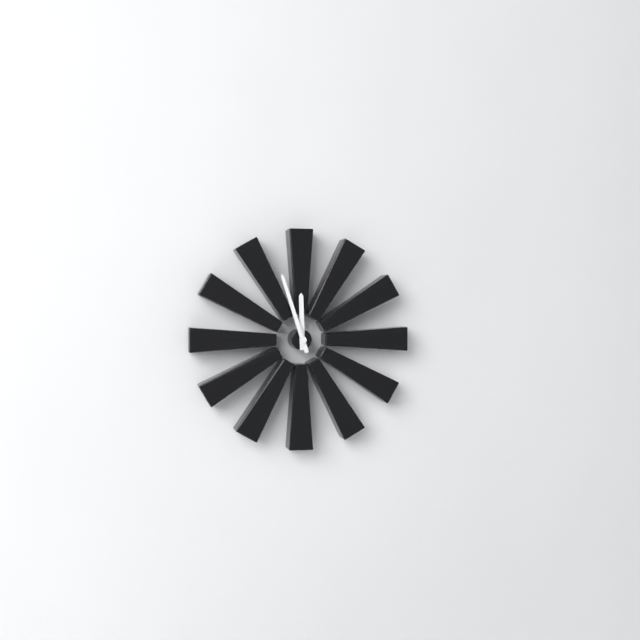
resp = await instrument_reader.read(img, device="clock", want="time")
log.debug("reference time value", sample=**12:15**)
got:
**11:57**
